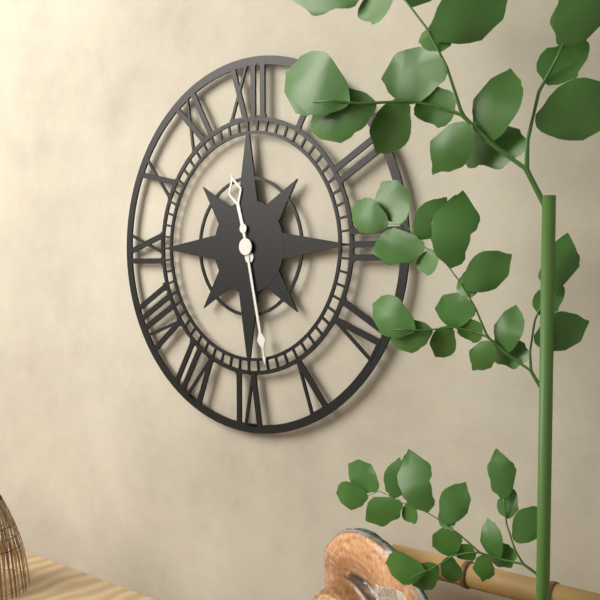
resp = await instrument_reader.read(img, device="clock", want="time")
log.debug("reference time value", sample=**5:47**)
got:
**11:28**
